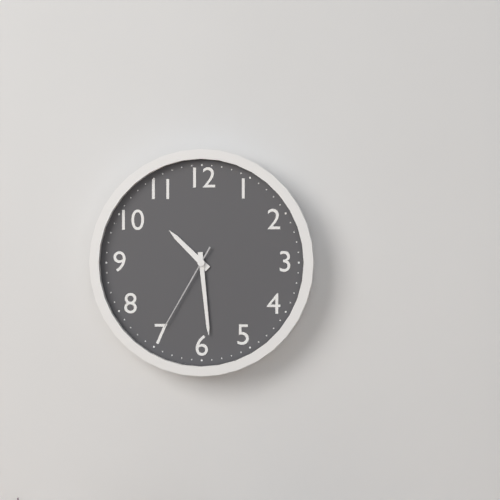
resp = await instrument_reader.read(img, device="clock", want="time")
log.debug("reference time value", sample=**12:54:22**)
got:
**10:29:35**
